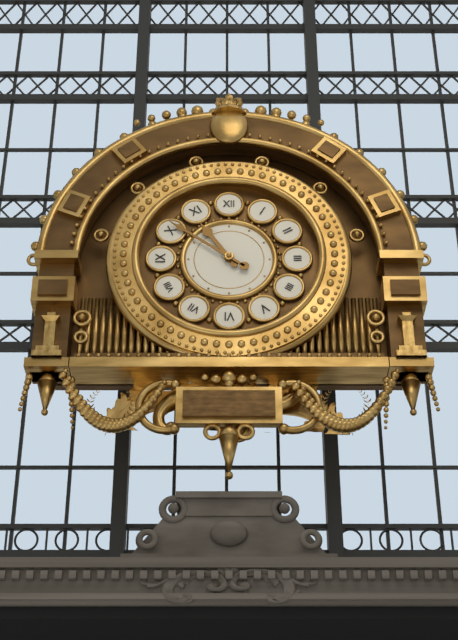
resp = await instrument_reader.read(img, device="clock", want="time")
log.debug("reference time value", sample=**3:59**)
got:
**10:51**
